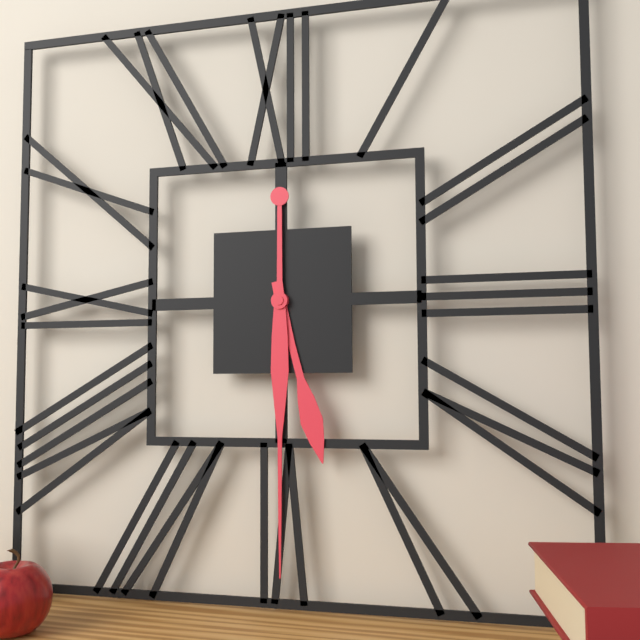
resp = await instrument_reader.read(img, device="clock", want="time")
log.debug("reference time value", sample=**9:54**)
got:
**5:30**
